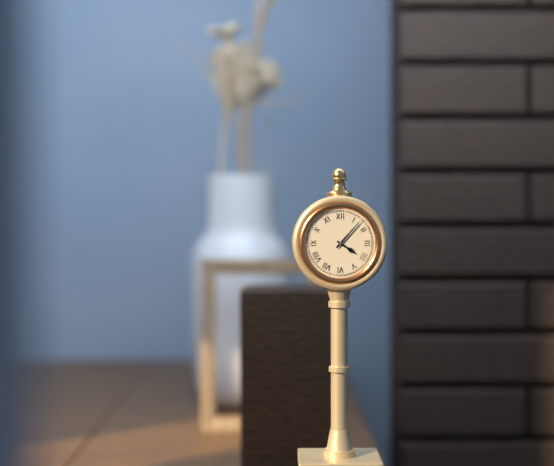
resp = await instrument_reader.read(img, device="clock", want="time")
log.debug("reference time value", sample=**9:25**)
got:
**4:07**
